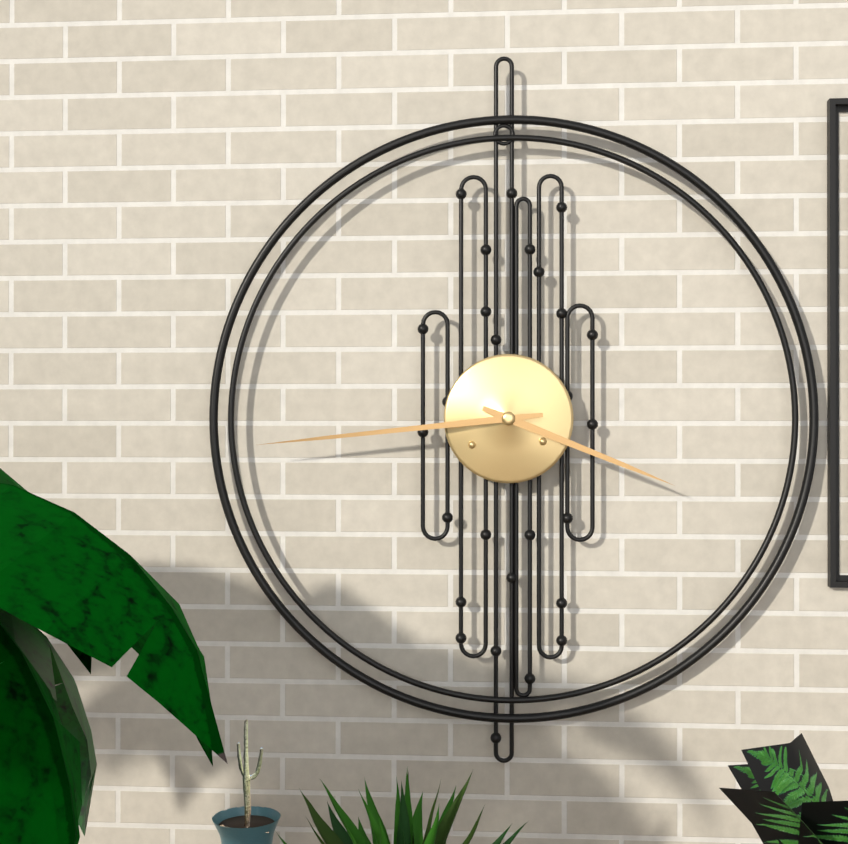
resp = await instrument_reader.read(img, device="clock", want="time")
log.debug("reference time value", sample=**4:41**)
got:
**3:44**
